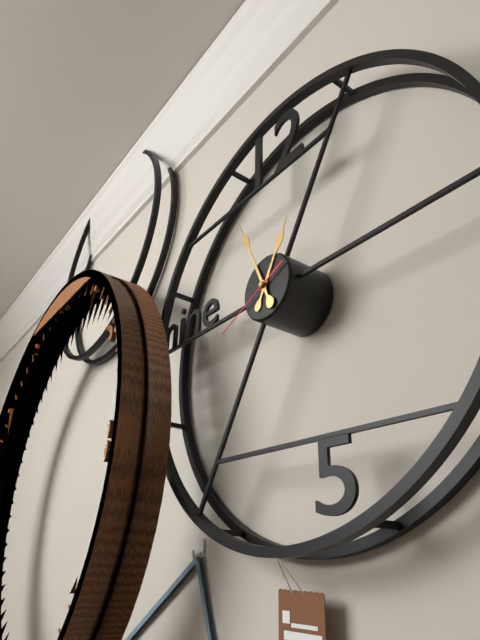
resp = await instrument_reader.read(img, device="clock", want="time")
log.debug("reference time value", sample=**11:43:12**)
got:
**12:56:41**
